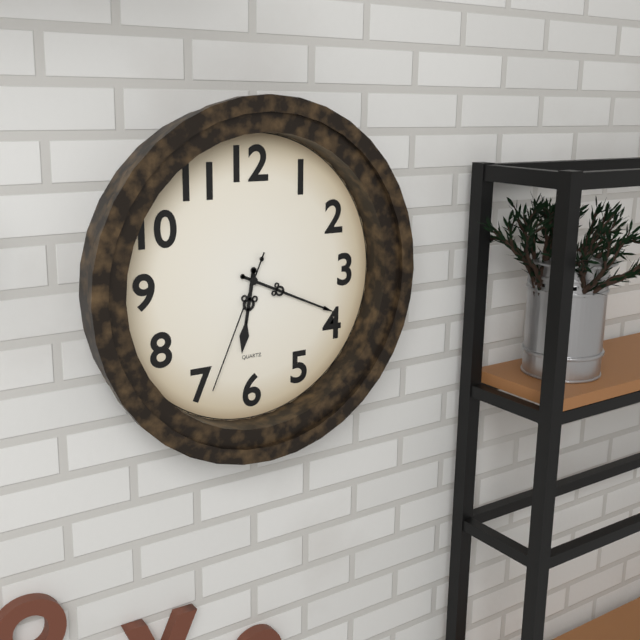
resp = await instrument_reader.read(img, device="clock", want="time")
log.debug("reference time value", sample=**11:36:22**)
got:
**6:19:34**
